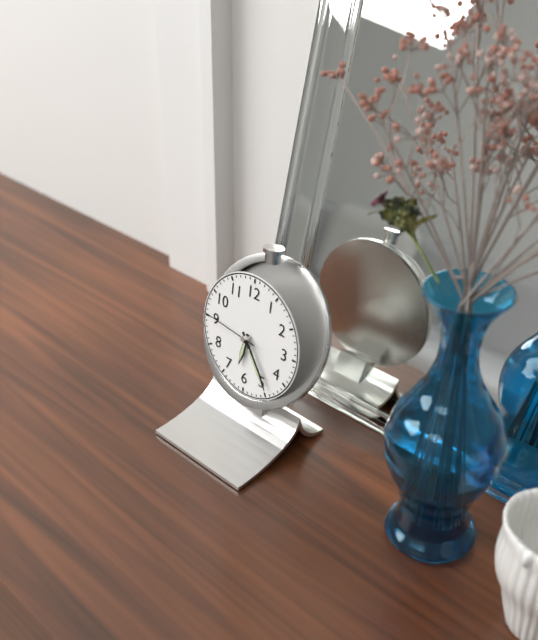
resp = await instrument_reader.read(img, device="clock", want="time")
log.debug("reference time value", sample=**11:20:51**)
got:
**6:24:46**
